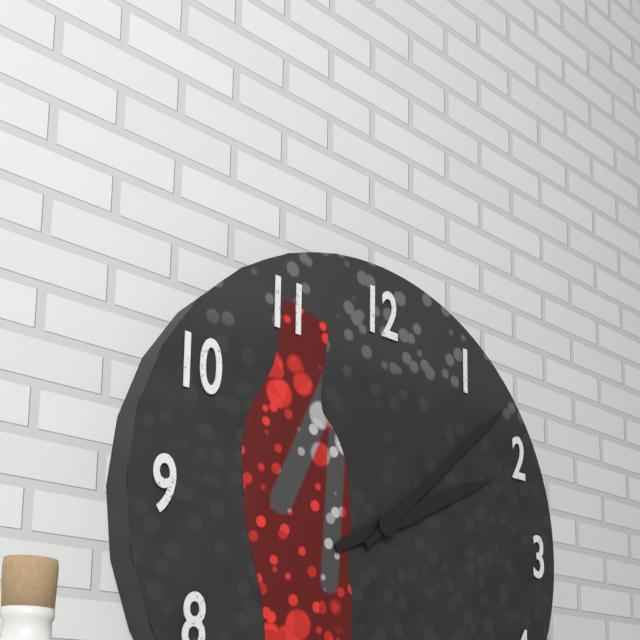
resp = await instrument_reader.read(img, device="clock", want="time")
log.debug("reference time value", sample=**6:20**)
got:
**2:08**
